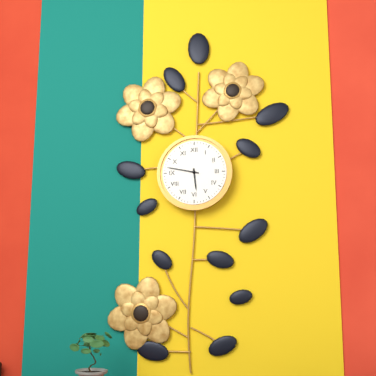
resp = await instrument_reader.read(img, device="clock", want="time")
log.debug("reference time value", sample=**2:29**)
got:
**5:47**
